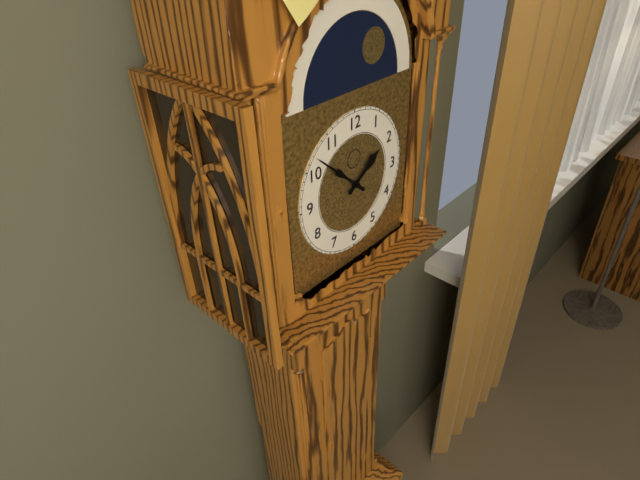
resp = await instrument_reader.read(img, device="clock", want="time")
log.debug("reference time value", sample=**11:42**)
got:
**1:52**
